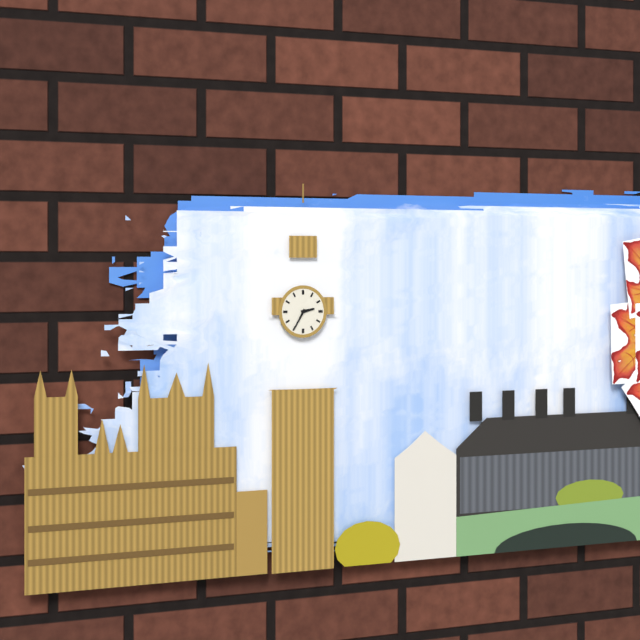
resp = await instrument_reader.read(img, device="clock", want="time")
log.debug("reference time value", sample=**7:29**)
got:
**2:35**
